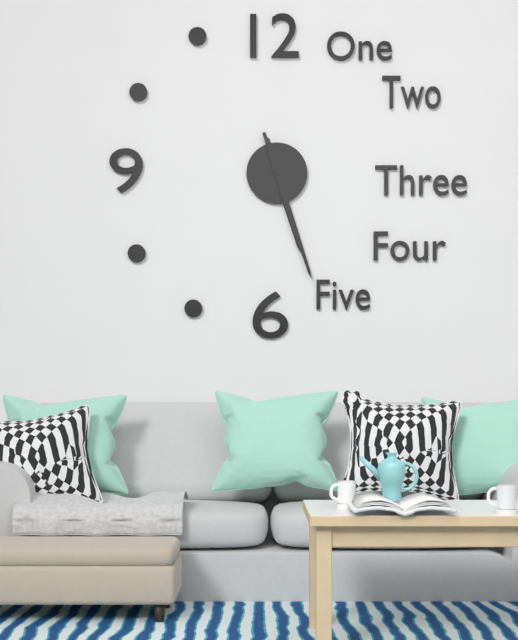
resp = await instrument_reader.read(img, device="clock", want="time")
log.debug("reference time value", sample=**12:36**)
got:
**5:27**
